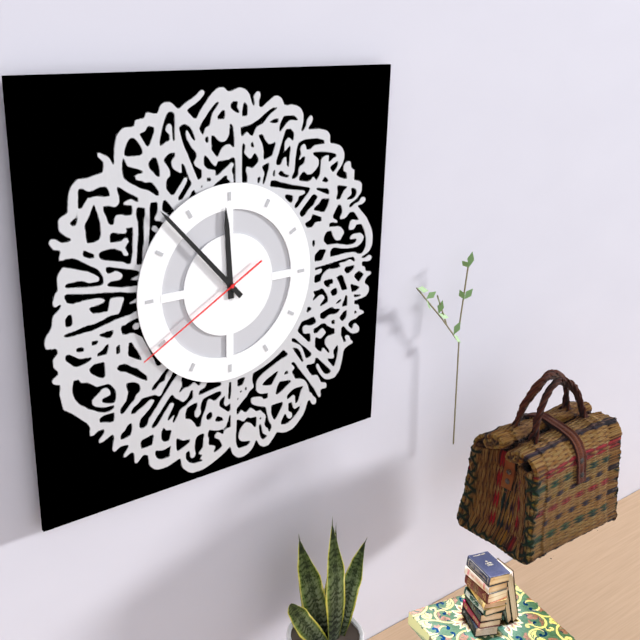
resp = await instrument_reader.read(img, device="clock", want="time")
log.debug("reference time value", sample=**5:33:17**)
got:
**11:53:40**
